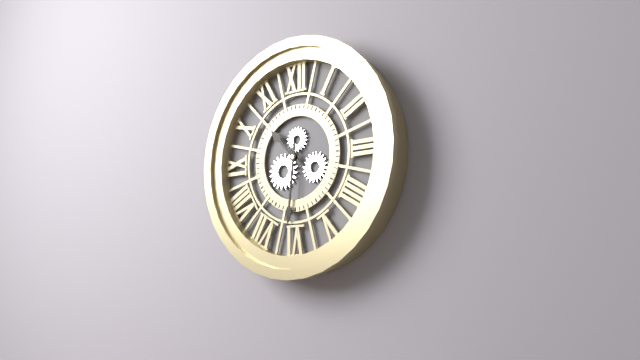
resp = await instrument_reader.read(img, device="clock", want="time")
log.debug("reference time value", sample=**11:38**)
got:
**10:31**
